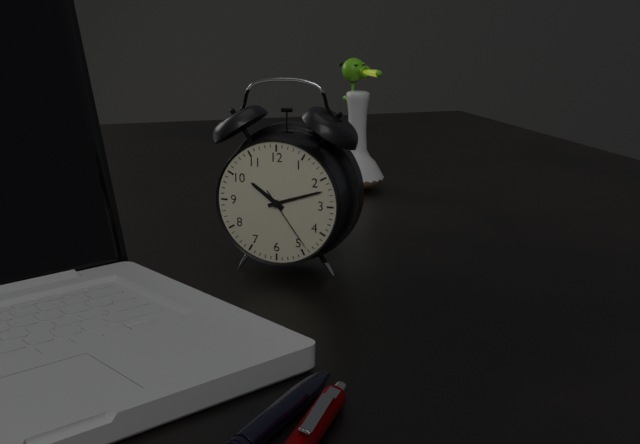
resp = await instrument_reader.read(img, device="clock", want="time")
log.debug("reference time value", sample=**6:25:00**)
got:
**10:12:24**
